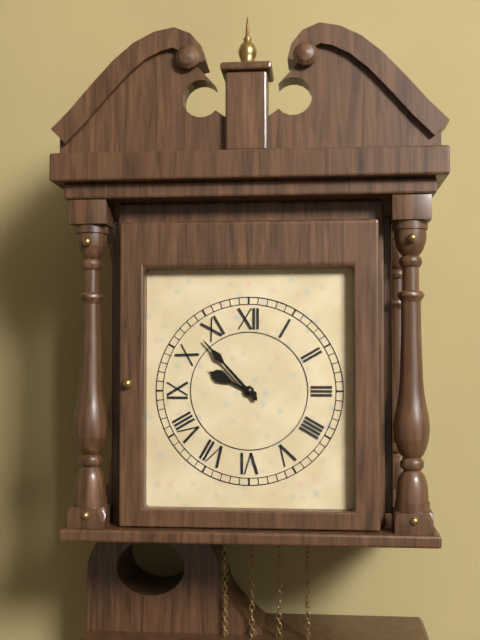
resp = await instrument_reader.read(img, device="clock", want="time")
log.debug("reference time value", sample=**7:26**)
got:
**9:53**
